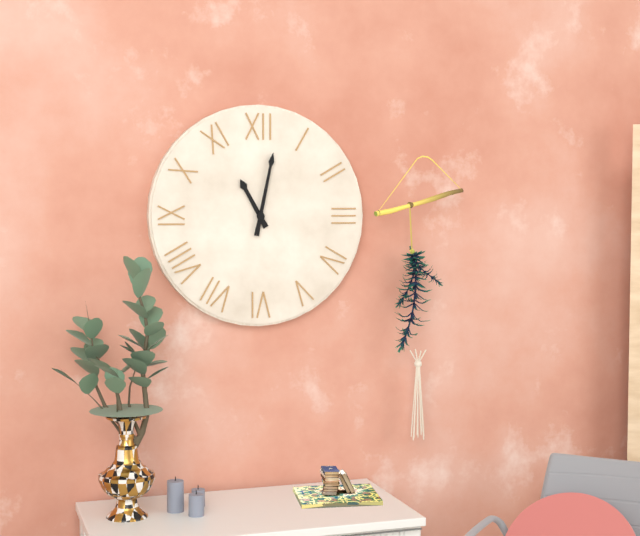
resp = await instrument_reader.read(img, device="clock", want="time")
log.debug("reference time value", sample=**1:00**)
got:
**11:02**
